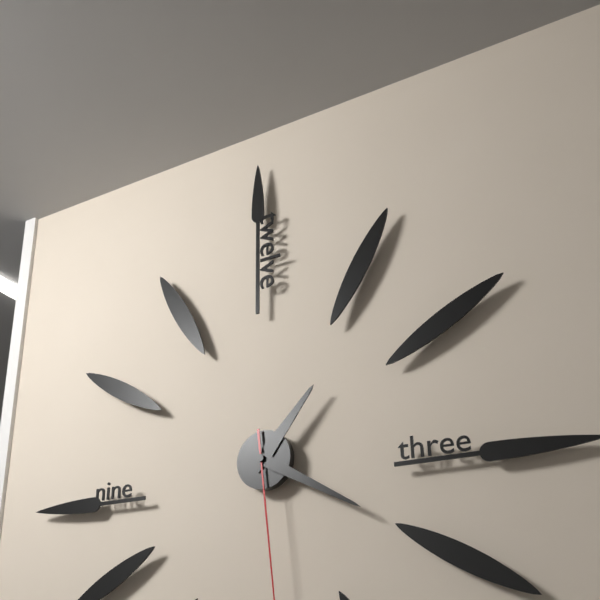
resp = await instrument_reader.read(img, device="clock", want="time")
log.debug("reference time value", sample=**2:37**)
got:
**1:20**
